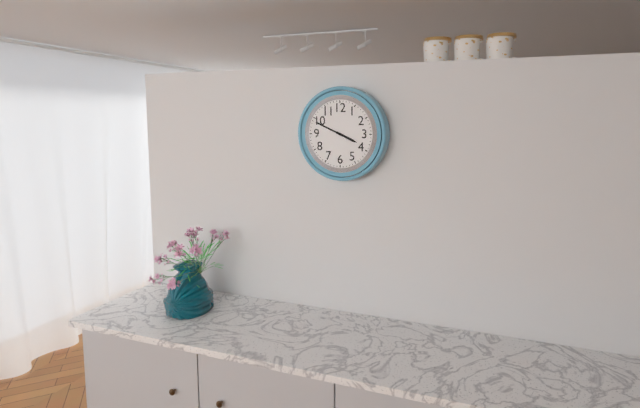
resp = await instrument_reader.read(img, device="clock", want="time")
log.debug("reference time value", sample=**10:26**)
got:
**3:49**
